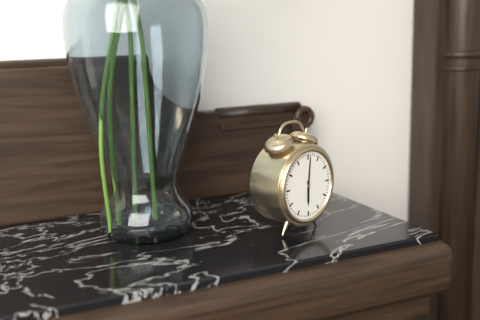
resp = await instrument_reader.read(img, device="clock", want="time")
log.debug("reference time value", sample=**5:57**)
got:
**6:01**
